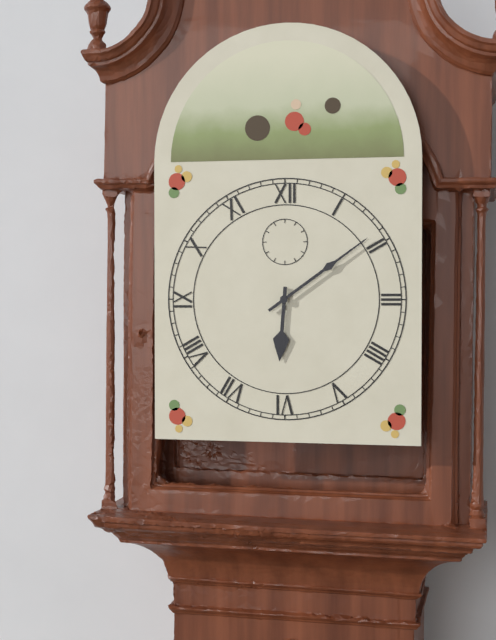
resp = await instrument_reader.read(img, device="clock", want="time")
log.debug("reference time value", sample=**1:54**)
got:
**6:09**
